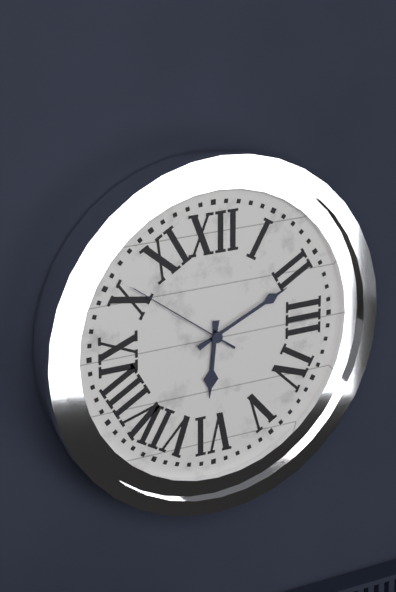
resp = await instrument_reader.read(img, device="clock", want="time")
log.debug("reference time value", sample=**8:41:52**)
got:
**6:11:51**
